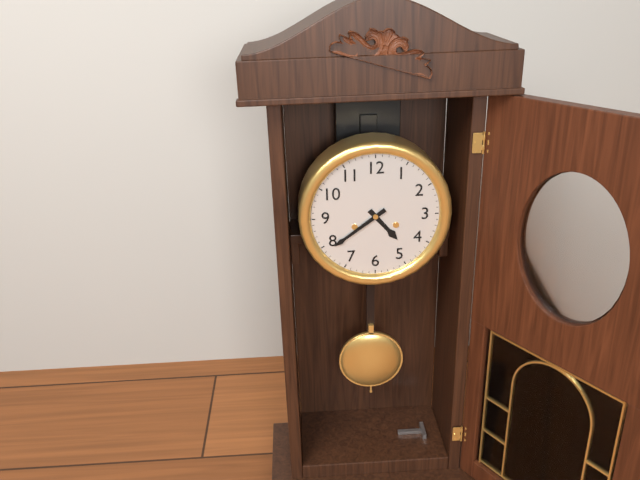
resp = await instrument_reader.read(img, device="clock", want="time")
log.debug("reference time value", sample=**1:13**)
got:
**4:39**
